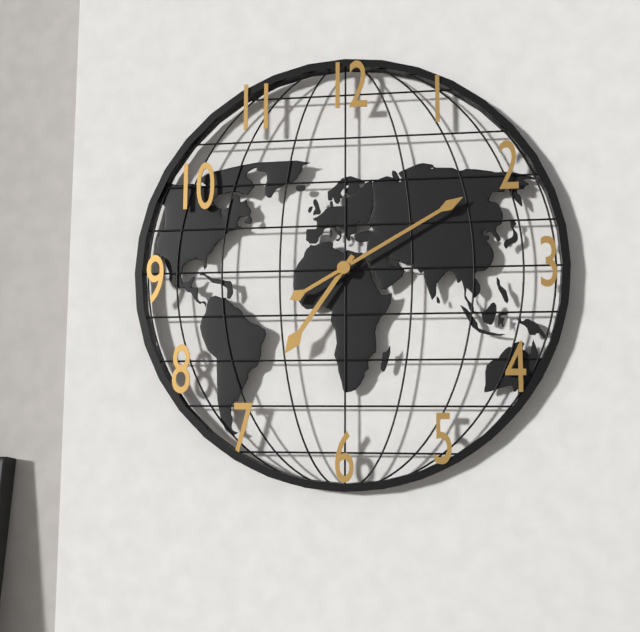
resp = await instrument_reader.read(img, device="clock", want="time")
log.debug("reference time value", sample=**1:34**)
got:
**7:10**
